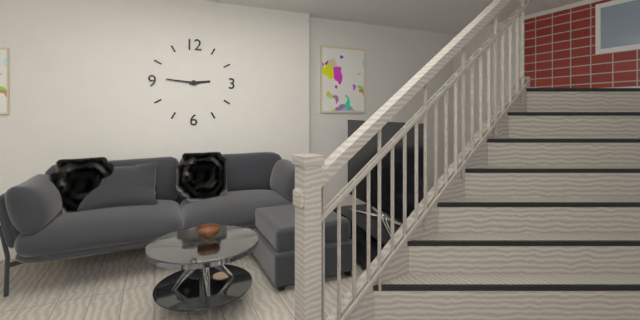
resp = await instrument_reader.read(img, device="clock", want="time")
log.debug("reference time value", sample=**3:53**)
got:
**2:46**
